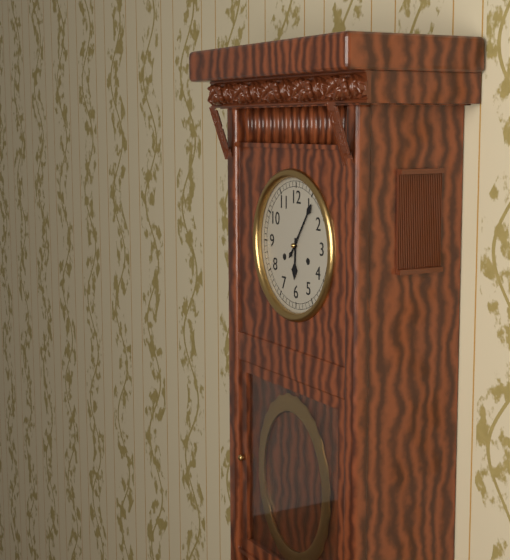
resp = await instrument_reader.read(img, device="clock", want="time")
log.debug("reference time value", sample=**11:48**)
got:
**6:06**
